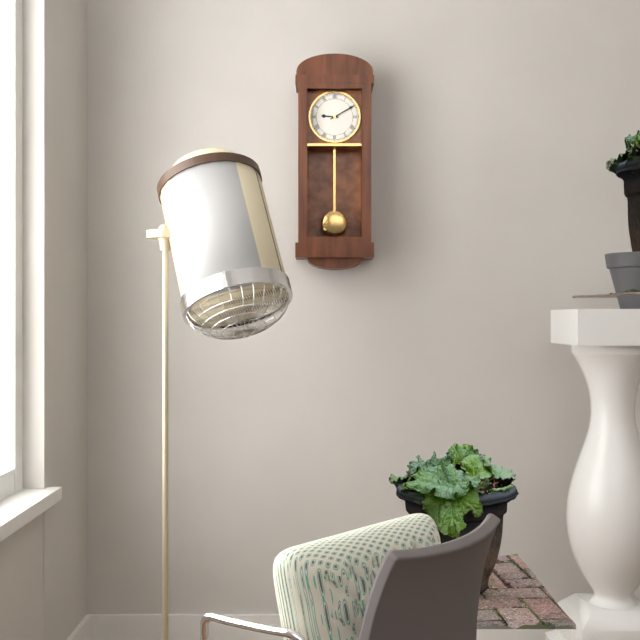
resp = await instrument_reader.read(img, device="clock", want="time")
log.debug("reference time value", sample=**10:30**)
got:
**9:10**
